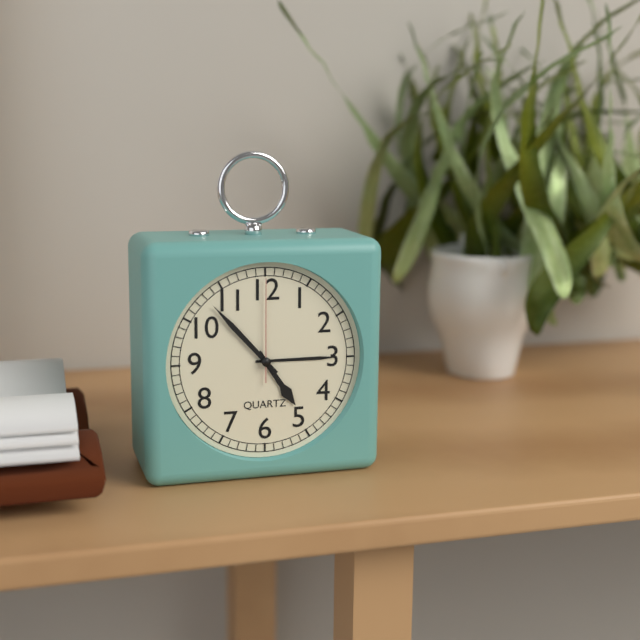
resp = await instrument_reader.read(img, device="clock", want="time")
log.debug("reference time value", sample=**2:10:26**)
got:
**4:53:00**
